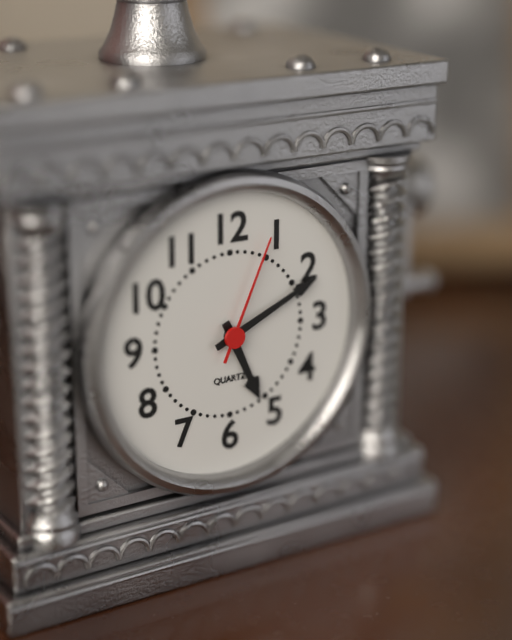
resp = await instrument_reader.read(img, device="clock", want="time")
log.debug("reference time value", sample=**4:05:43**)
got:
**5:11:04**
